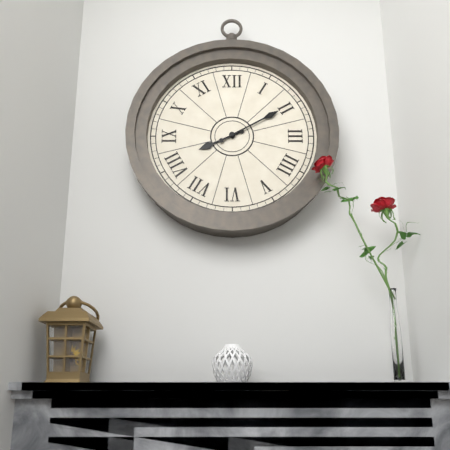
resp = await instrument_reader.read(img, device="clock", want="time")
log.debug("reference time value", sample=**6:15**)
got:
**8:10**
